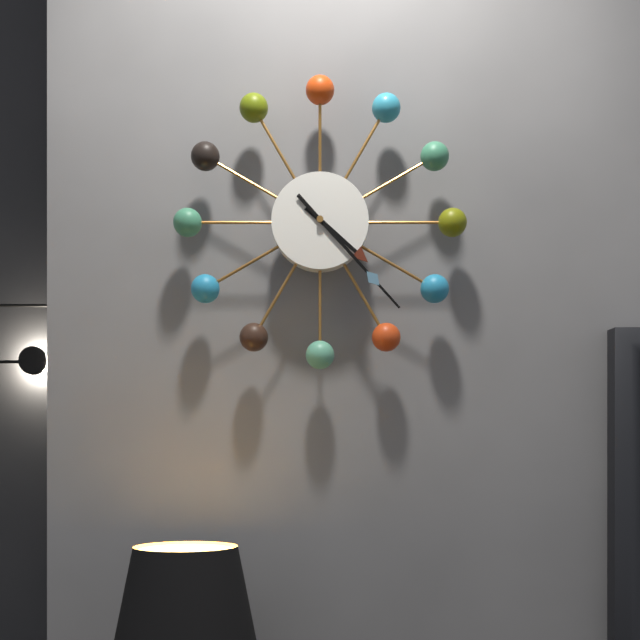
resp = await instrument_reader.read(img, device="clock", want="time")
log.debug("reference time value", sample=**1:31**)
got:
**4:23**
